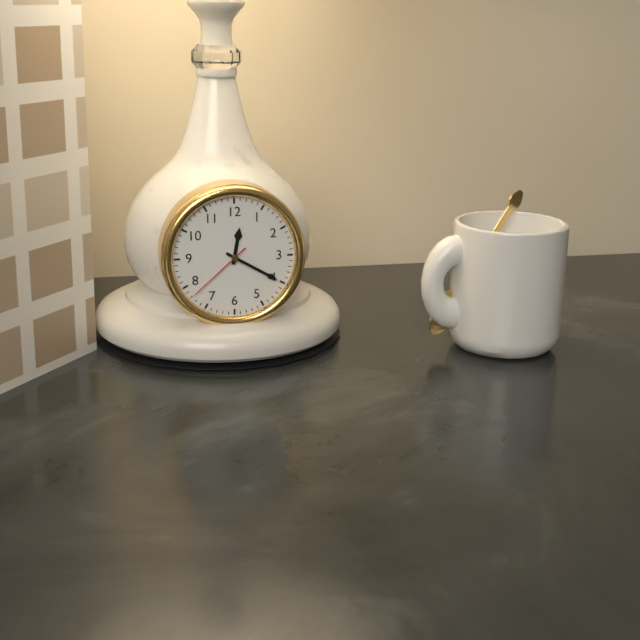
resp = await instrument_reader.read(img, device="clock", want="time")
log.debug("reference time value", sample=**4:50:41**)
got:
**12:20:38**
